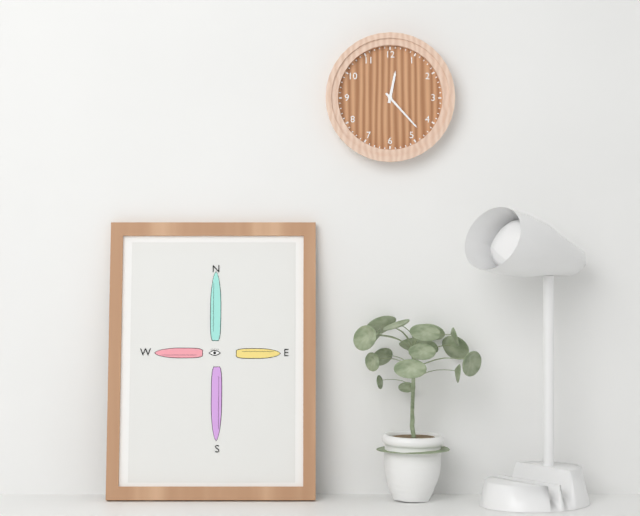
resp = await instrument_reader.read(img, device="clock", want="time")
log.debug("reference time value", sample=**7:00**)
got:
**12:23**
